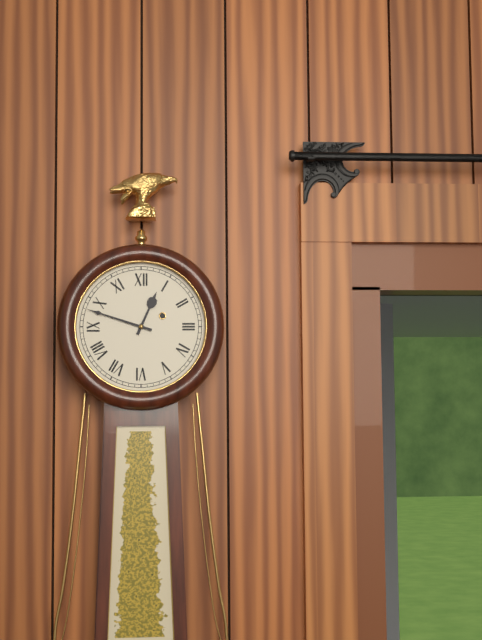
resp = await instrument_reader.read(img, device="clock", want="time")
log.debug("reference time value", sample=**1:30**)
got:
**12:48**
